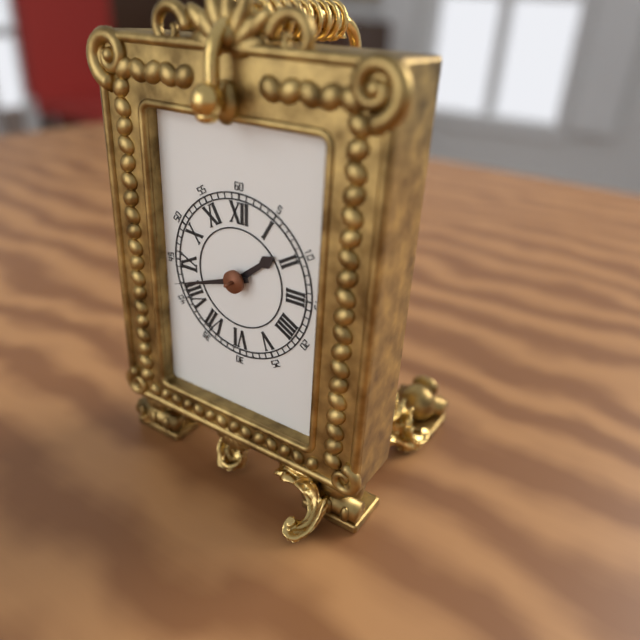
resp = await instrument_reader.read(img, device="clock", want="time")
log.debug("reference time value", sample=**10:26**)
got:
**1:42**
